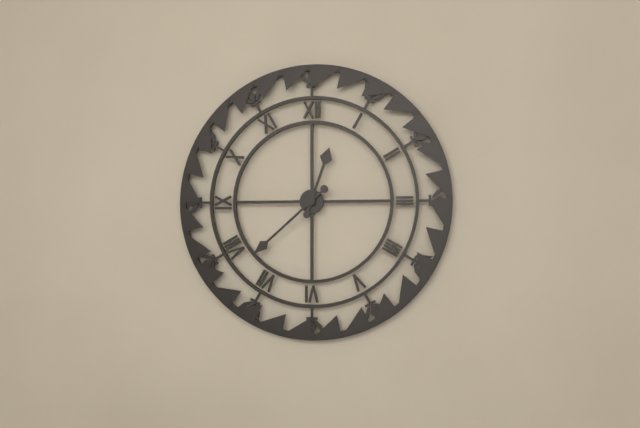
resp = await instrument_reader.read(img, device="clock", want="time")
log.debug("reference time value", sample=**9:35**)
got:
**12:38**
